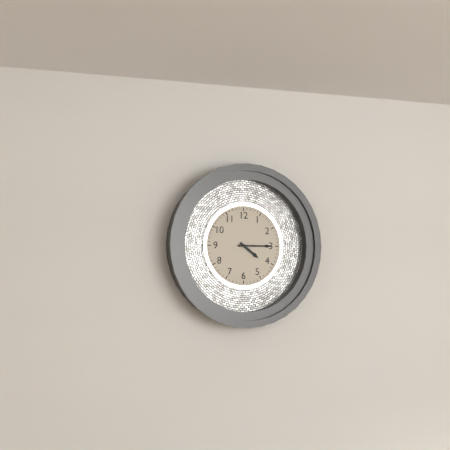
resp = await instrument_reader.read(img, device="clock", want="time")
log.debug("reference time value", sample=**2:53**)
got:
**4:15**
